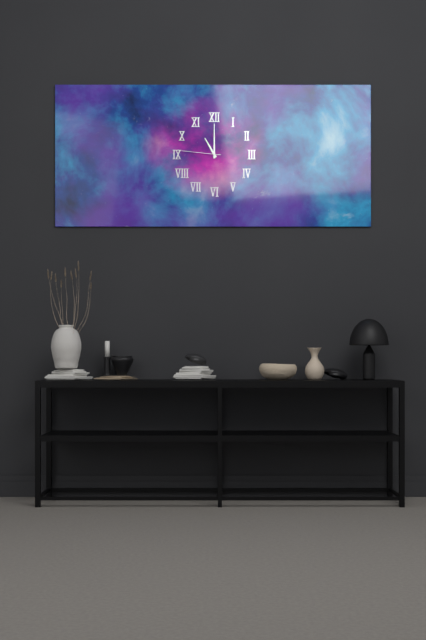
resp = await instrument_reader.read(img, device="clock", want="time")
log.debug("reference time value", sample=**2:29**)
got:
**11:00**
